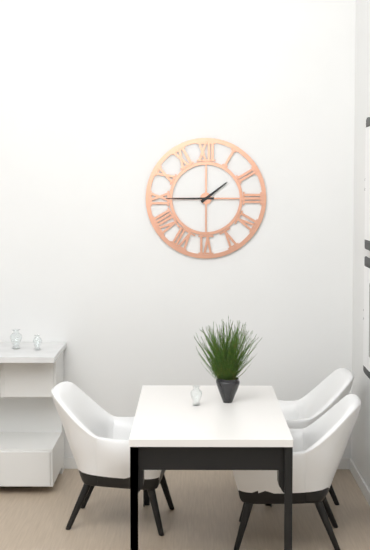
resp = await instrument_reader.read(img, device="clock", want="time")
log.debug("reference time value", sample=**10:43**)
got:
**1:45**
